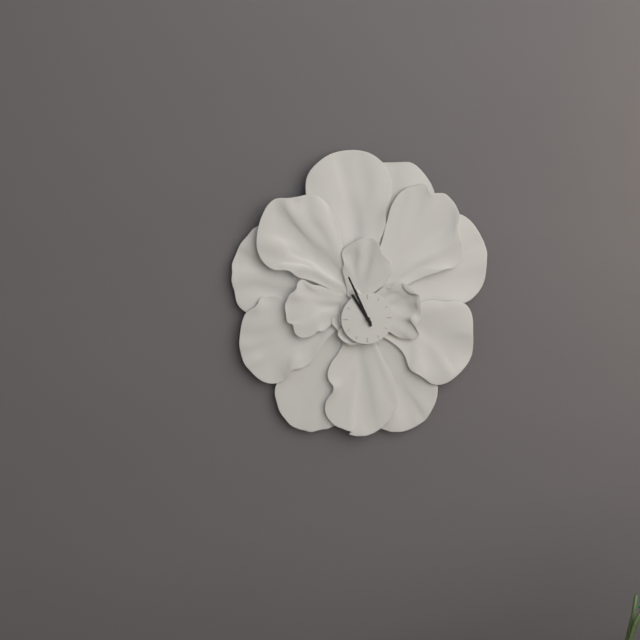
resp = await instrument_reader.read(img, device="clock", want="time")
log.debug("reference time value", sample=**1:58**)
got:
**10:56**
